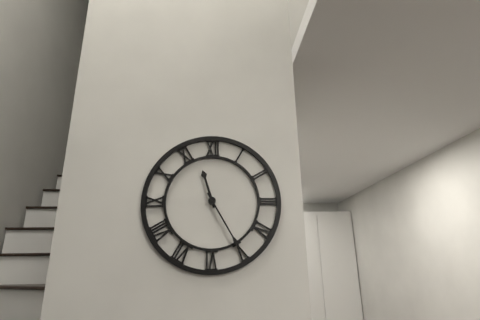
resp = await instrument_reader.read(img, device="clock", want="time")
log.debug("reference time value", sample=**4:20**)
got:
**11:25**
